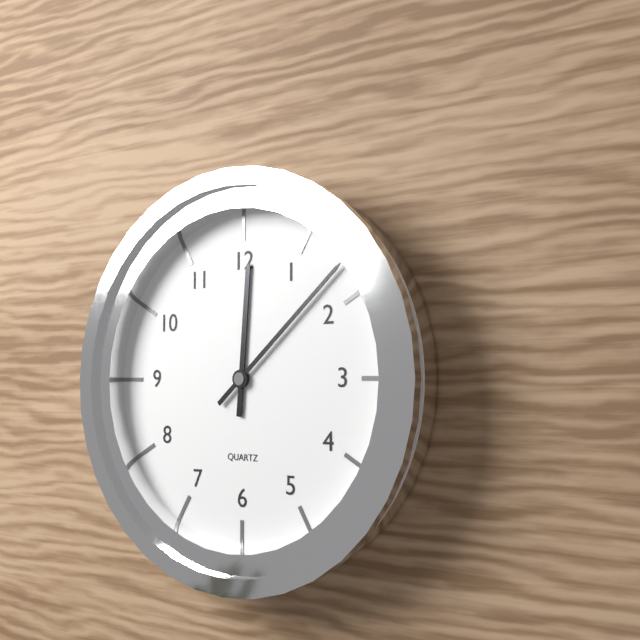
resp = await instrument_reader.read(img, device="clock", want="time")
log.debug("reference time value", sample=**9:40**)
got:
**12:08**
